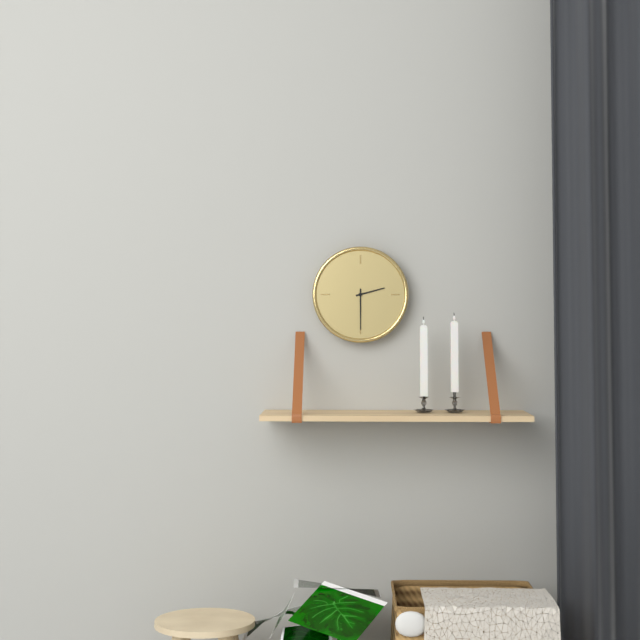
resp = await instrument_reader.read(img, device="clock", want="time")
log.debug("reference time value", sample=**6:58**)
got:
**2:30**
